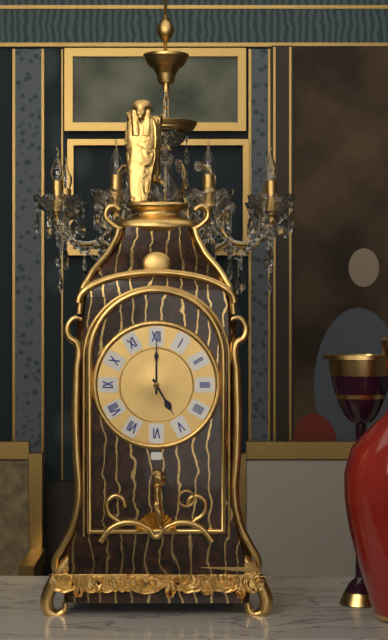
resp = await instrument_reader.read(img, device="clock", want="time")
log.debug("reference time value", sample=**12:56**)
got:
**5:00**
